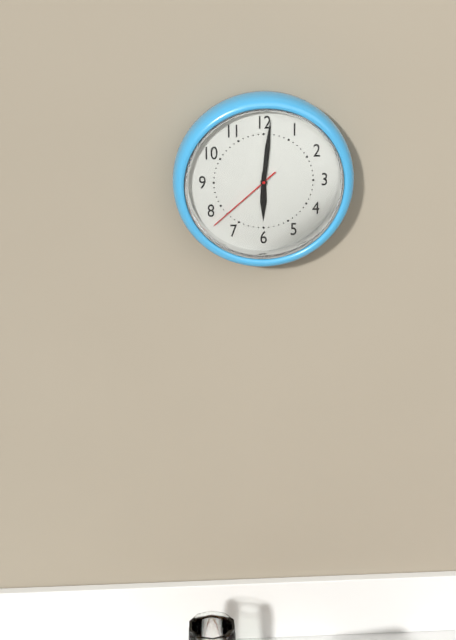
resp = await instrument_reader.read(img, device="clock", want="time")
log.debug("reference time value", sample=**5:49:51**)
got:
**6:01:38**
